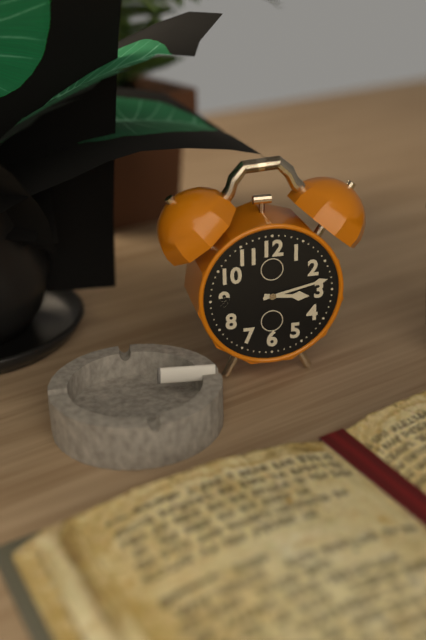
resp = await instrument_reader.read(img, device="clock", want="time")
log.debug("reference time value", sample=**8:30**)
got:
**3:13**
